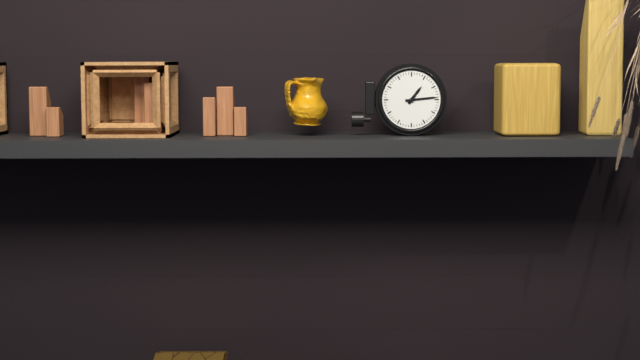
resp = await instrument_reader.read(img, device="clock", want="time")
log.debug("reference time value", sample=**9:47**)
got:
**1:14**
